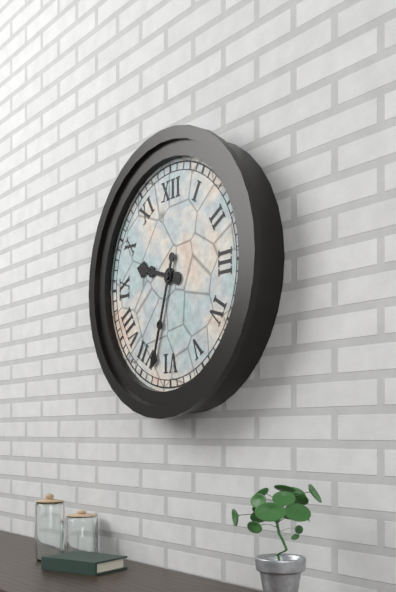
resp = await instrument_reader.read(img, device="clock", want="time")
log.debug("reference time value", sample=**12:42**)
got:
**9:33**
